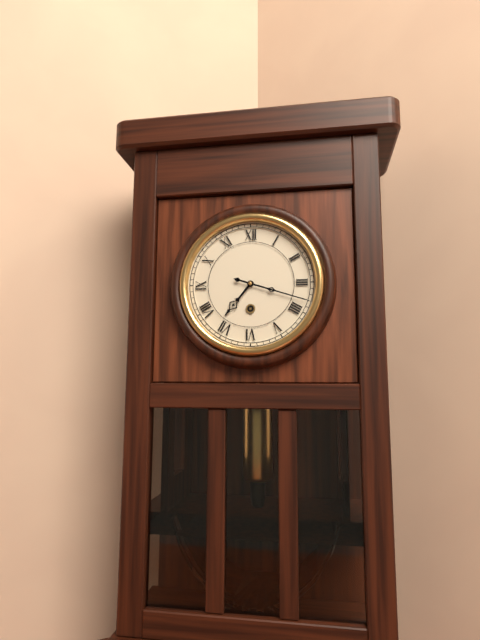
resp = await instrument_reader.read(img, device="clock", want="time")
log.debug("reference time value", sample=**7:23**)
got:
**7:18**
